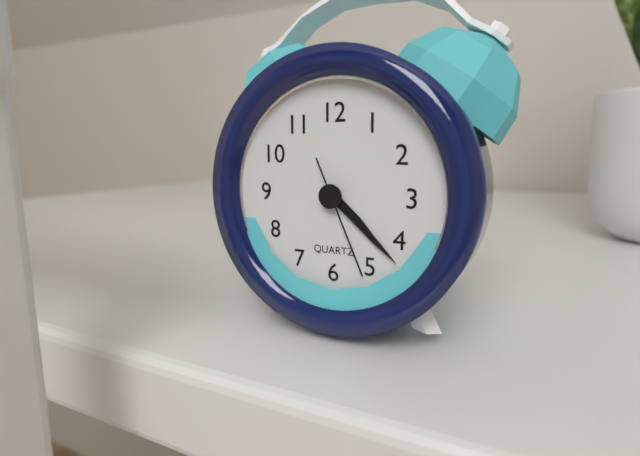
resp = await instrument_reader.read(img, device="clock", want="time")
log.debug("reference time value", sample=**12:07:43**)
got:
**4:22:26**
